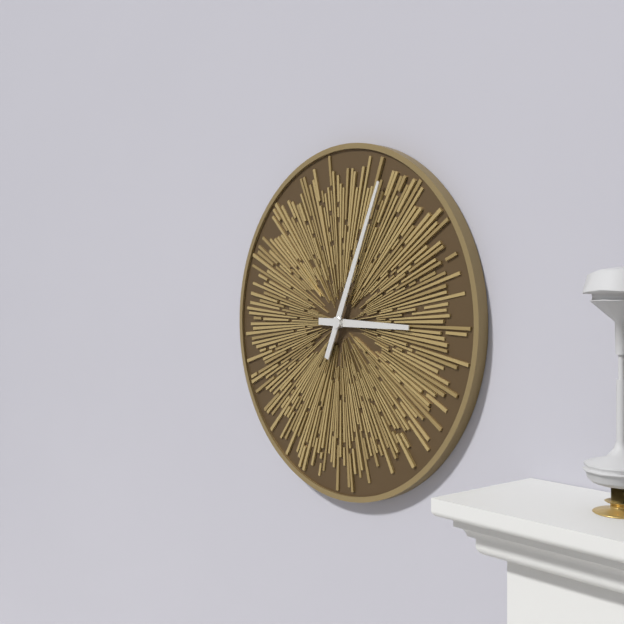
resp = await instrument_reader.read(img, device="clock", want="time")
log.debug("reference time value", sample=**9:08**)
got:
**3:04**
